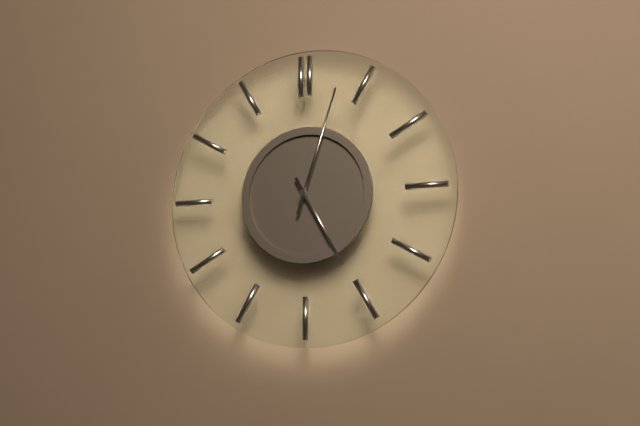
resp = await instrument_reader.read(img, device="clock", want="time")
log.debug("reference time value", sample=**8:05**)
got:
**5:03**
